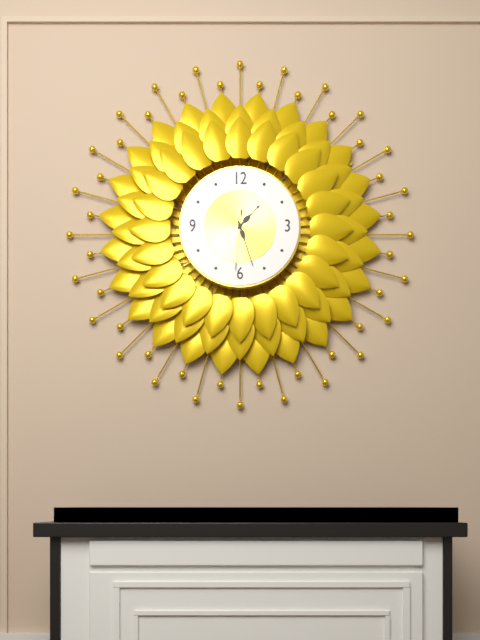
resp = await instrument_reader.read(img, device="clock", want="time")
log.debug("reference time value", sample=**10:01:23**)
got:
**1:27:31**
